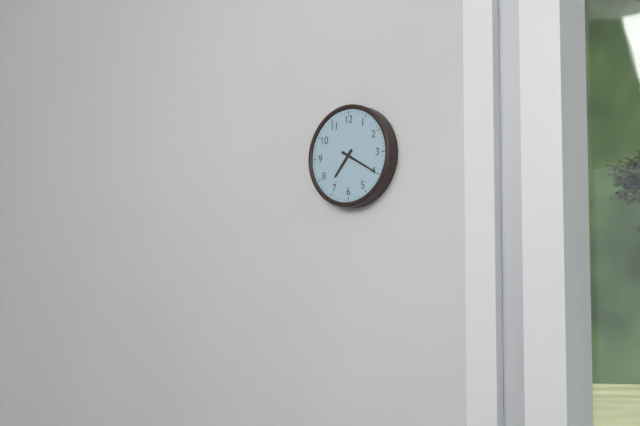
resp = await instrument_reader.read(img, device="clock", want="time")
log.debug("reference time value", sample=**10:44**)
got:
**7:20**
